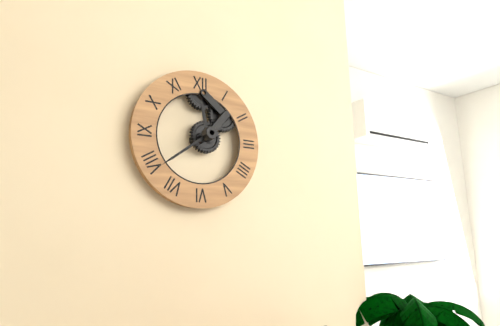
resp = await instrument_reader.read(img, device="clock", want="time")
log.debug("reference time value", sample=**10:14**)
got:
**11:39**
